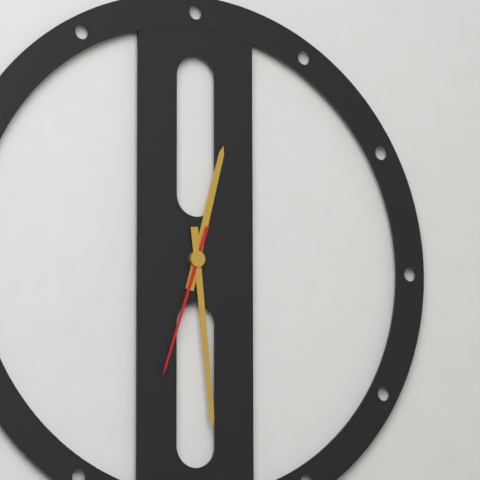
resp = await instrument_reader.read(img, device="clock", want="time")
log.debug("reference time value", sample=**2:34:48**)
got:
**12:29:33**
